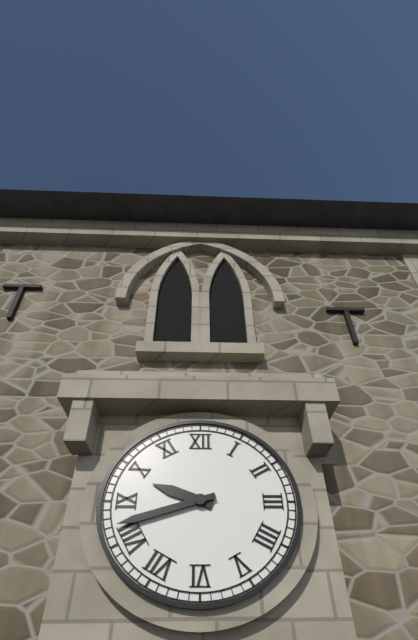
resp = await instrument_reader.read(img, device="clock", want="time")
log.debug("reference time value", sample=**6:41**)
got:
**9:42**
